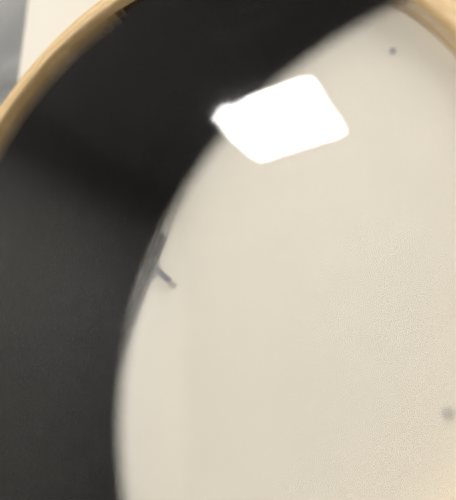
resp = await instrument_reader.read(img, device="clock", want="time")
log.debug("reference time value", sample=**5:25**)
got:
**6:52**
